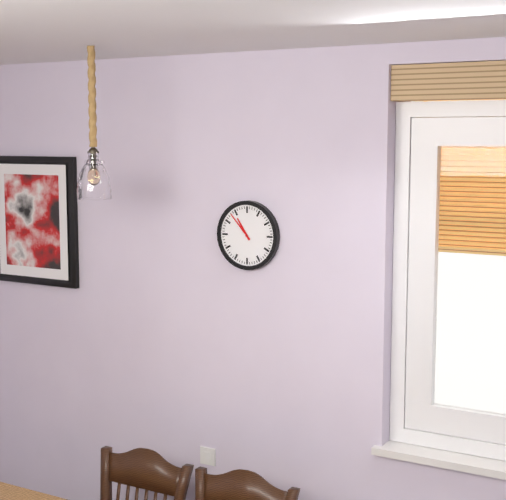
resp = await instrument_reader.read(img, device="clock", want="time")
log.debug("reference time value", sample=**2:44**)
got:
**10:53**
